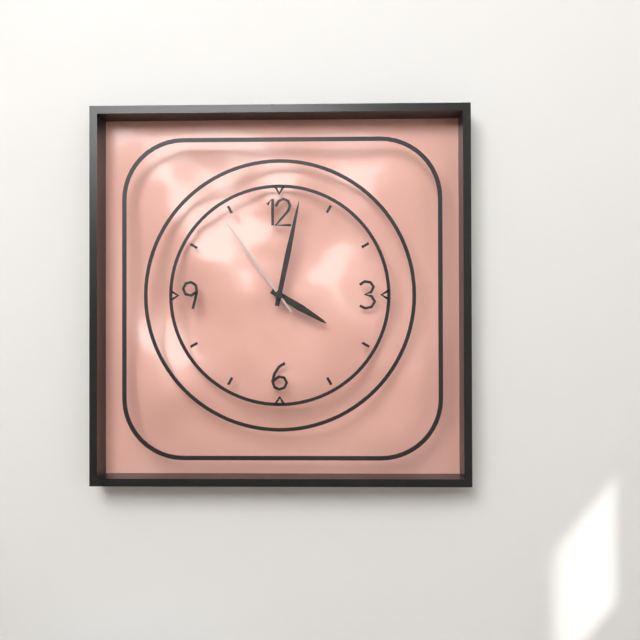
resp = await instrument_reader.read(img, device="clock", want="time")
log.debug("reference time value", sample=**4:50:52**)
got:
**4:02:54**
